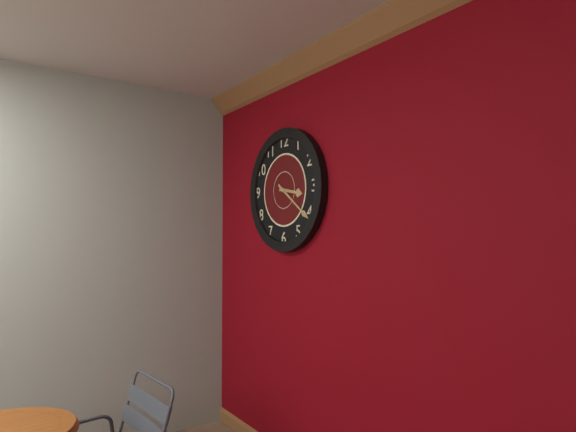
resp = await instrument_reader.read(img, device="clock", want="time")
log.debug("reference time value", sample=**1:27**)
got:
**3:21**
